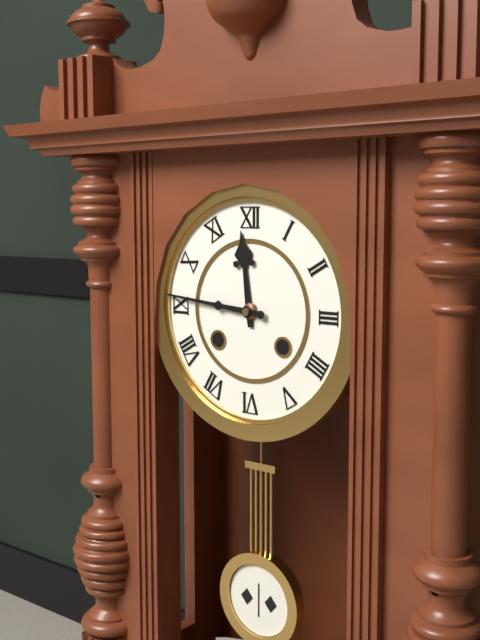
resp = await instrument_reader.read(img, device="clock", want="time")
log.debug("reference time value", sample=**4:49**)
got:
**11:46**
